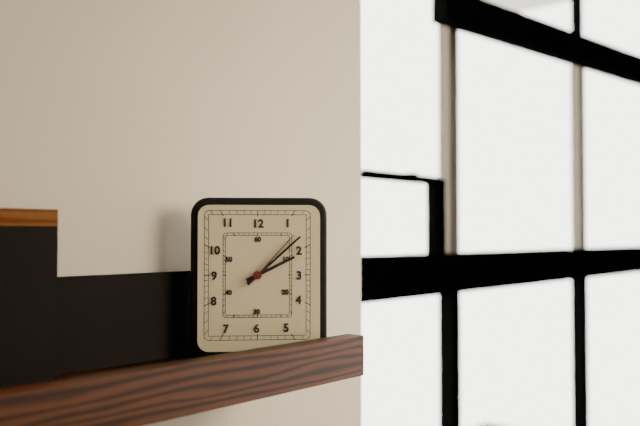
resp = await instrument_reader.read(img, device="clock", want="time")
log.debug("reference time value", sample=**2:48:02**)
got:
**2:08:07**
